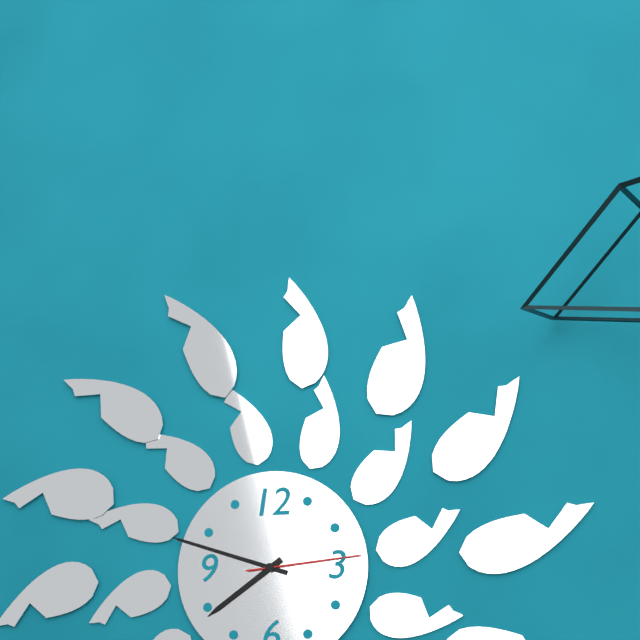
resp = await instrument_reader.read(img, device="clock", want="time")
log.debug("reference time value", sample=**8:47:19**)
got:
**7:48:14**
